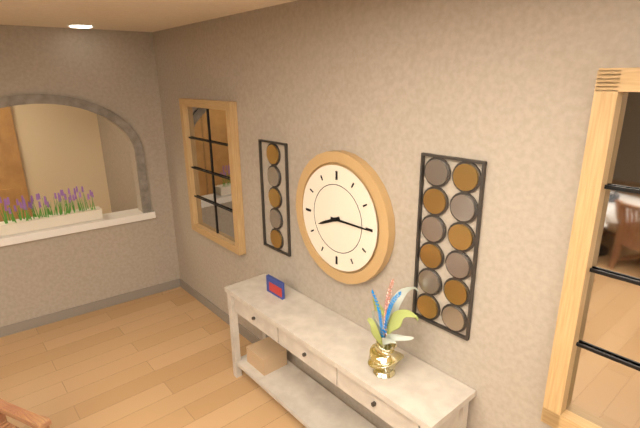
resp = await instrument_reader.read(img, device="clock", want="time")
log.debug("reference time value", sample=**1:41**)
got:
**8:15**
